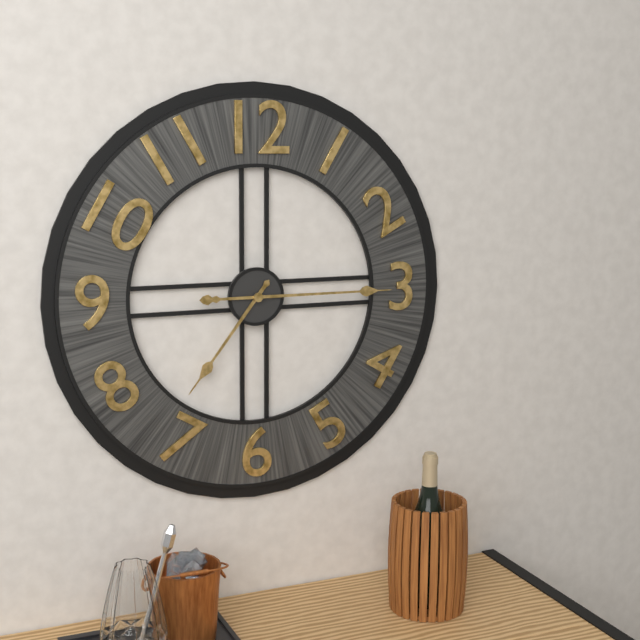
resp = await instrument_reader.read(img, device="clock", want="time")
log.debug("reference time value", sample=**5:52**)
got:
**7:15**
